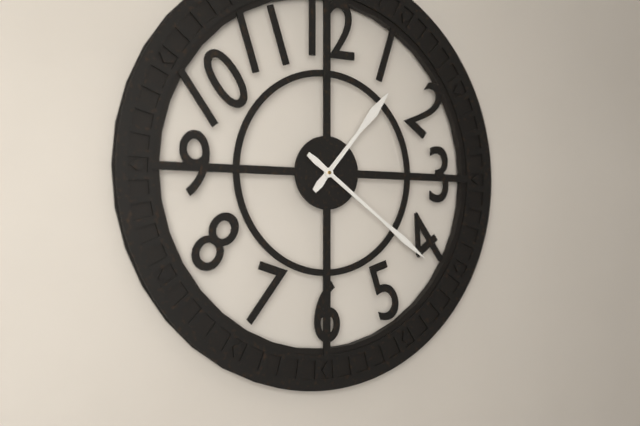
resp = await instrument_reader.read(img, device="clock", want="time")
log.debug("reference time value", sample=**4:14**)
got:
**1:21**
